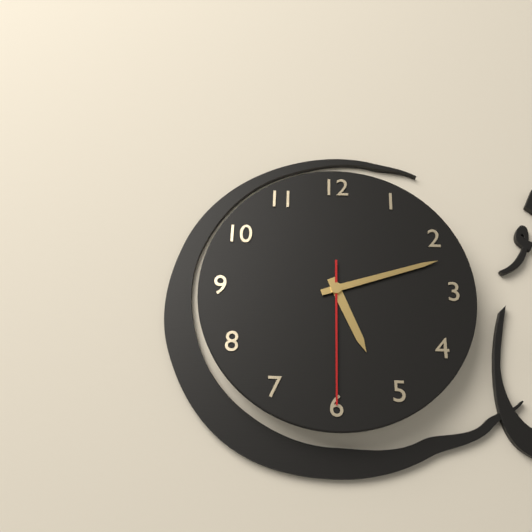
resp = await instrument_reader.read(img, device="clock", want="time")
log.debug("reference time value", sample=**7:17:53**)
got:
**5:12:30**
